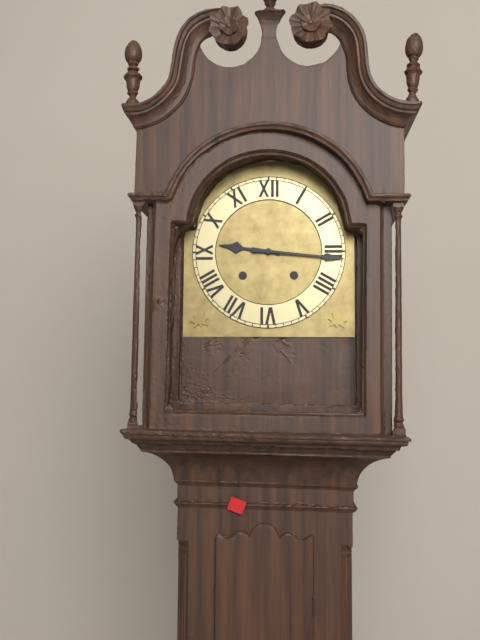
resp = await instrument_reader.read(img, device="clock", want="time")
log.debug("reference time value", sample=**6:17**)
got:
**9:16**
